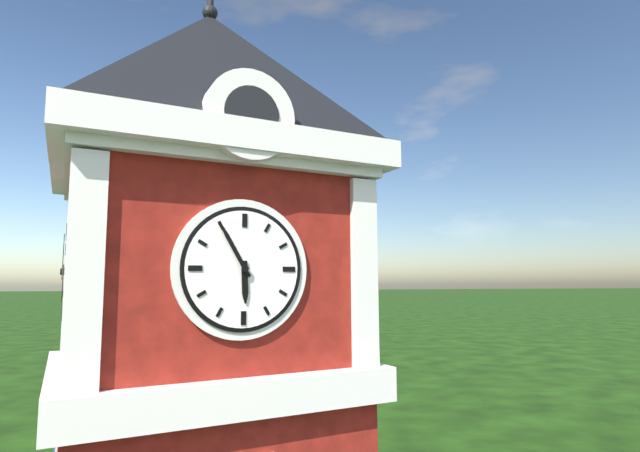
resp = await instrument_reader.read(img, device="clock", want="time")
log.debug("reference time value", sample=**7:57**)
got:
**5:55**
